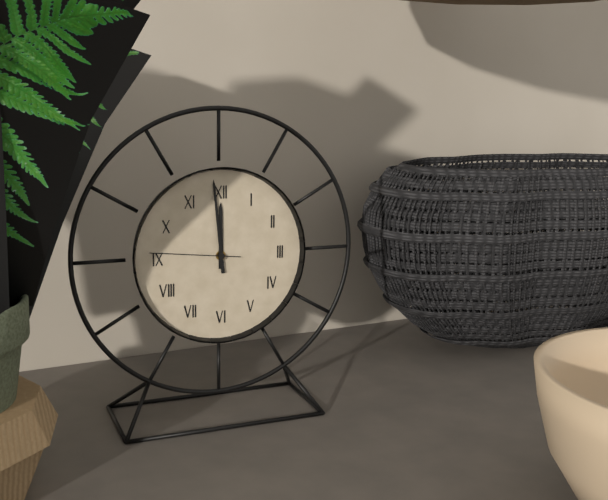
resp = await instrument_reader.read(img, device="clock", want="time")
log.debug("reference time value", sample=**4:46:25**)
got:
**11:59:46**
